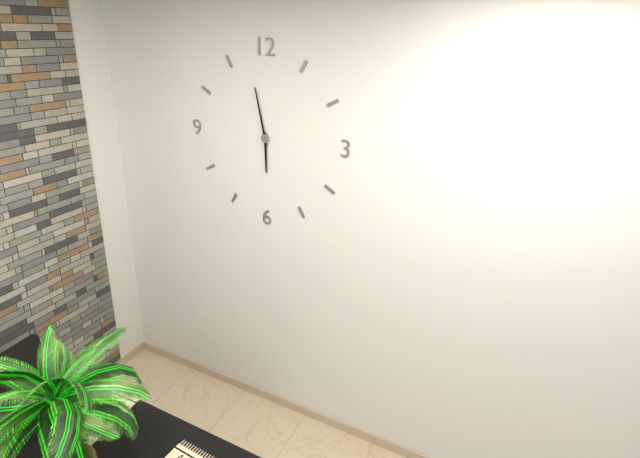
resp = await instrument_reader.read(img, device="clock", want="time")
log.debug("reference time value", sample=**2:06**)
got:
**5:58**
